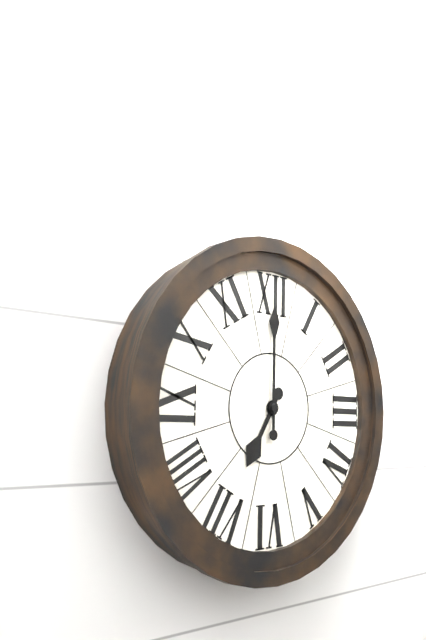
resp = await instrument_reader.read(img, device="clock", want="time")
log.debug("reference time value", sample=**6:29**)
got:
**7:00**
